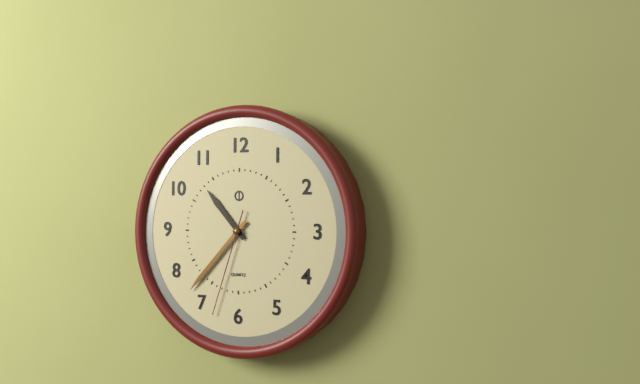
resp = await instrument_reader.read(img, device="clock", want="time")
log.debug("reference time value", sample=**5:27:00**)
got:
**10:37:33**
